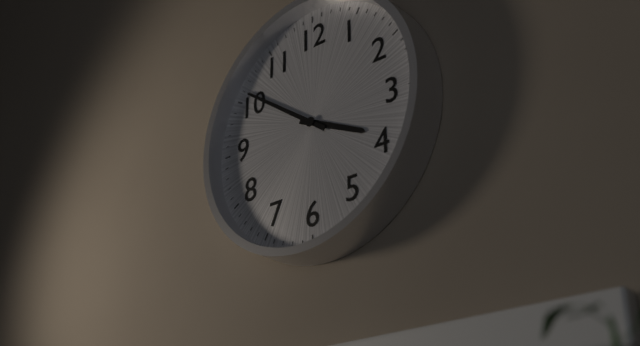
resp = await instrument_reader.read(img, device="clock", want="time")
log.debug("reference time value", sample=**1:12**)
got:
**3:51**
